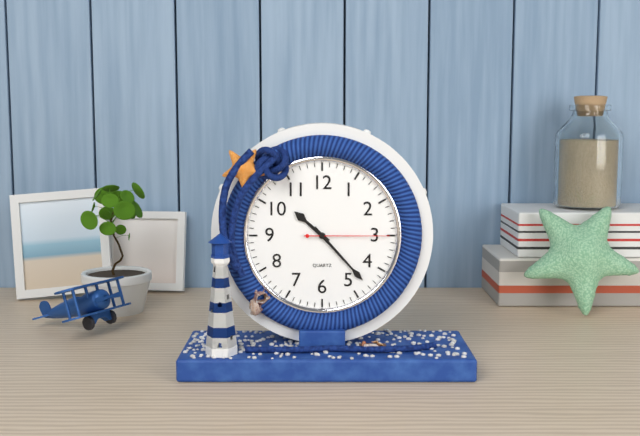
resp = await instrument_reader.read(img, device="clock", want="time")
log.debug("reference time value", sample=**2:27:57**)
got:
**10:23:15**
